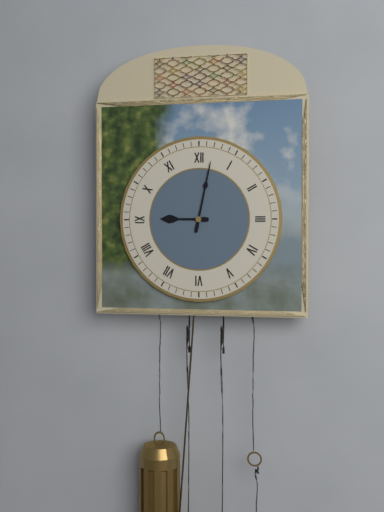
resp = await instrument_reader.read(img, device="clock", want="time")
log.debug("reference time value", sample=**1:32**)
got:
**9:02**
